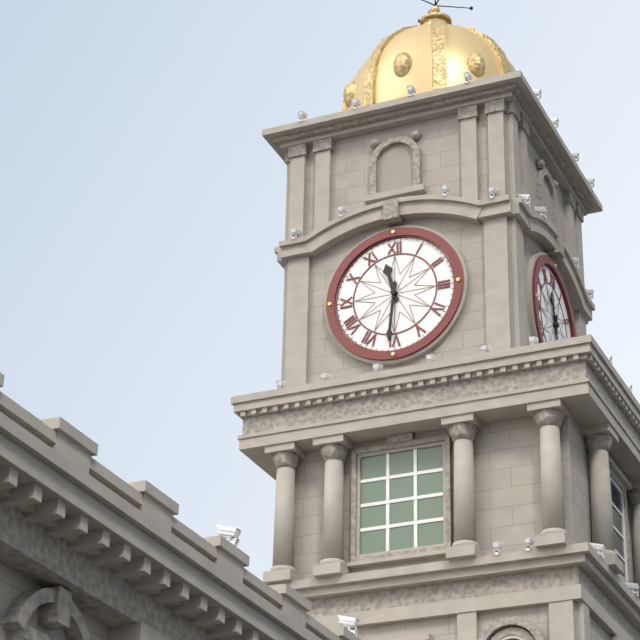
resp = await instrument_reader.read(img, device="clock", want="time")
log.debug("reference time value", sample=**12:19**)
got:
**11:31**
